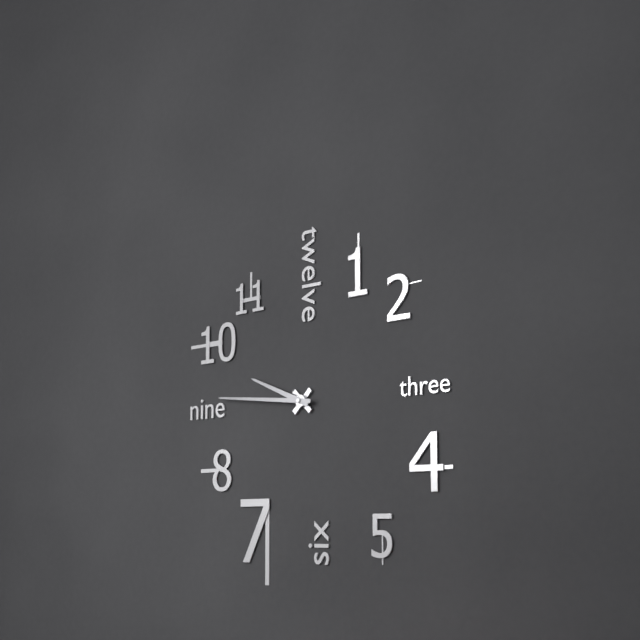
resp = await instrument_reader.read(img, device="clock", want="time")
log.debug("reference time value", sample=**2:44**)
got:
**9:46**
